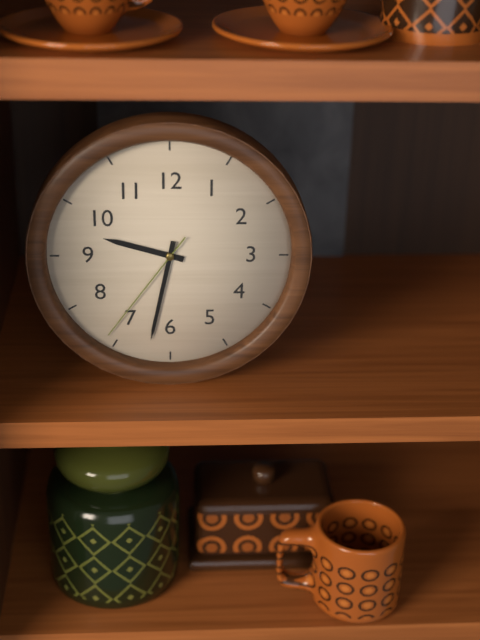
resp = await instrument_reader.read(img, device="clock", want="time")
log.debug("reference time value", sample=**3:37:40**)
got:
**9:32:36**
